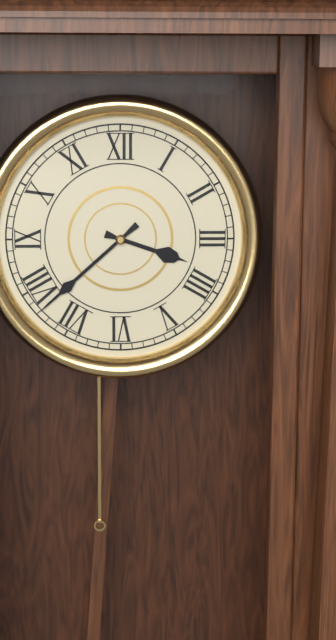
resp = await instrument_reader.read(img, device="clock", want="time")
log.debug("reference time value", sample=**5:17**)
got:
**3:38**
